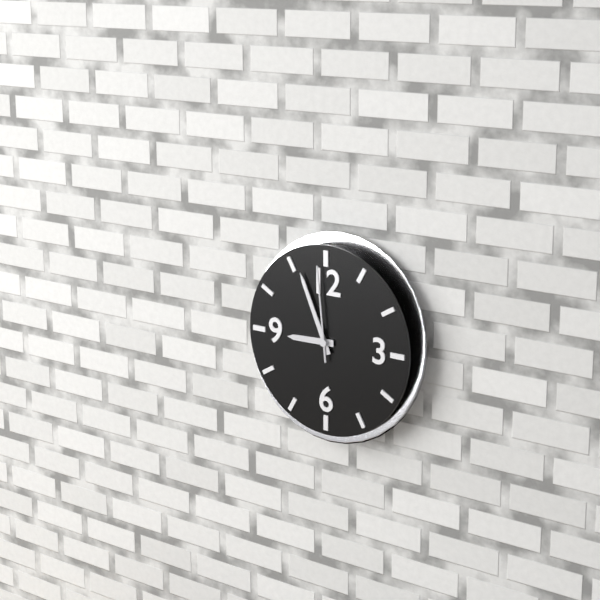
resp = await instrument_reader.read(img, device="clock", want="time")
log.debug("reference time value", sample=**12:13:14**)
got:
**8:56:59**
